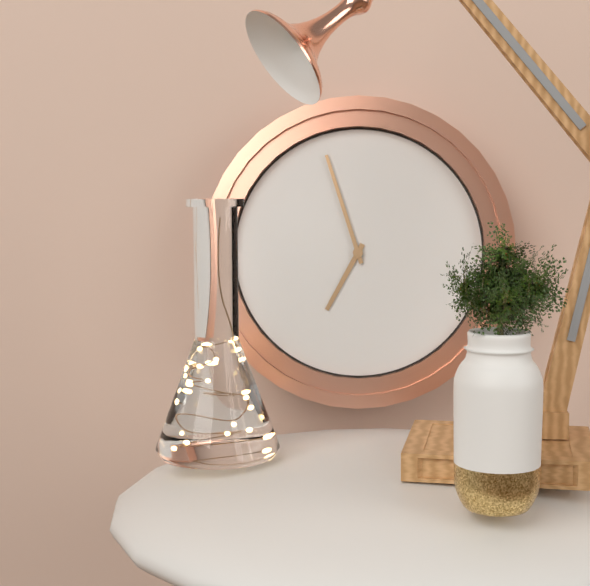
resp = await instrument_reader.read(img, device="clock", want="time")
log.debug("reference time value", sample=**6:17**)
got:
**6:57**
